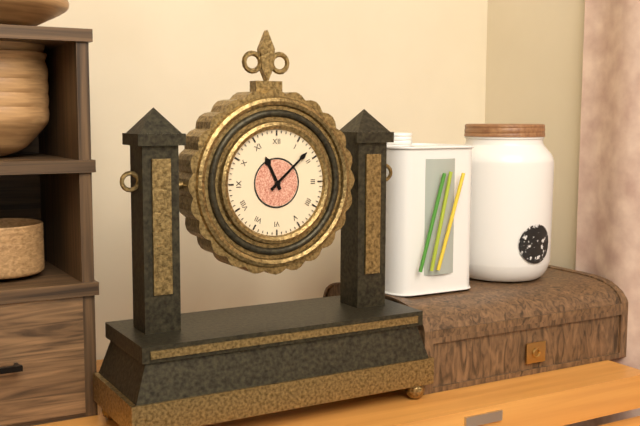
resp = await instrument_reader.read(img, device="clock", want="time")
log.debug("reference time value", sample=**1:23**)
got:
**11:08**
